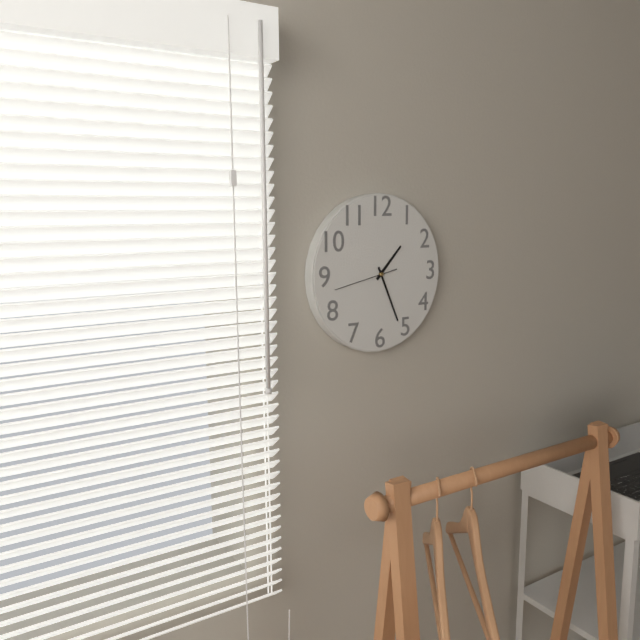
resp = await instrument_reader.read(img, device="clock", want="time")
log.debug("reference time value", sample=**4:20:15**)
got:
**1:26:43**
